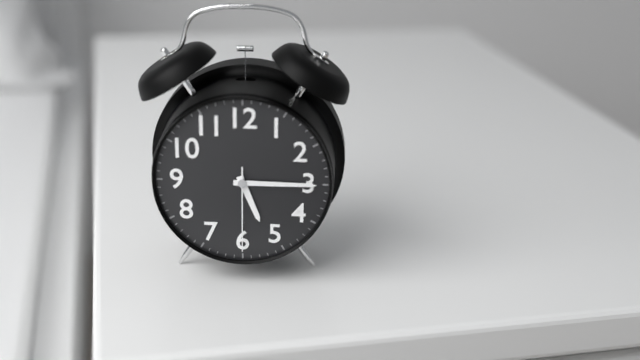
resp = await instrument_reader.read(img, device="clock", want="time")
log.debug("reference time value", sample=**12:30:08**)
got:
**5:15:30**
